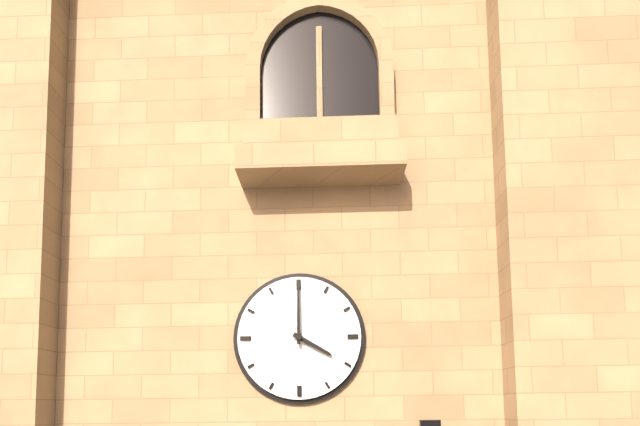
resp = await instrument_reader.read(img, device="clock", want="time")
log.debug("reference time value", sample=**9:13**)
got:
**4:00**
